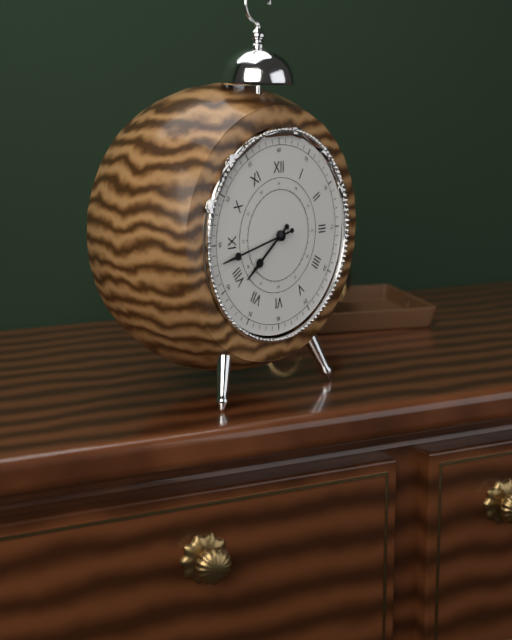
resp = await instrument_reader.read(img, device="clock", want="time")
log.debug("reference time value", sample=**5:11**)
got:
**7:43**
